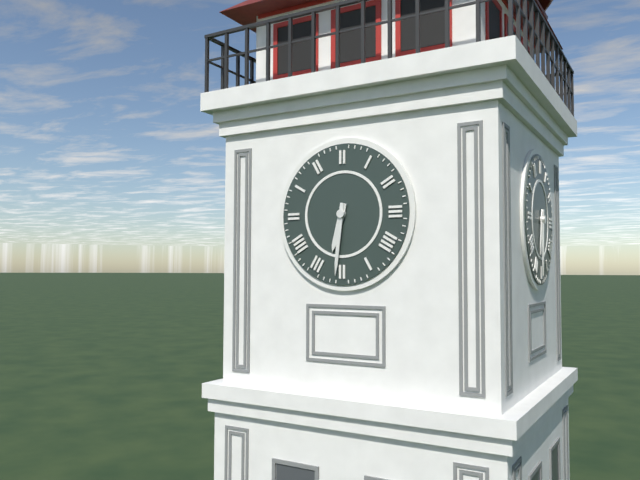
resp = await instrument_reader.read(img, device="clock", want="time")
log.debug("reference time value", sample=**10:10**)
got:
**6:31**
